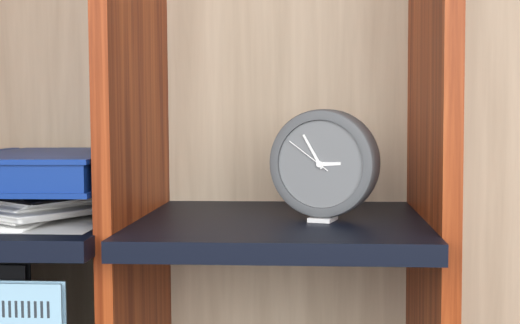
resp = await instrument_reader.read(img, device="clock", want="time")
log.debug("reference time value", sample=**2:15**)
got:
**2:55**
